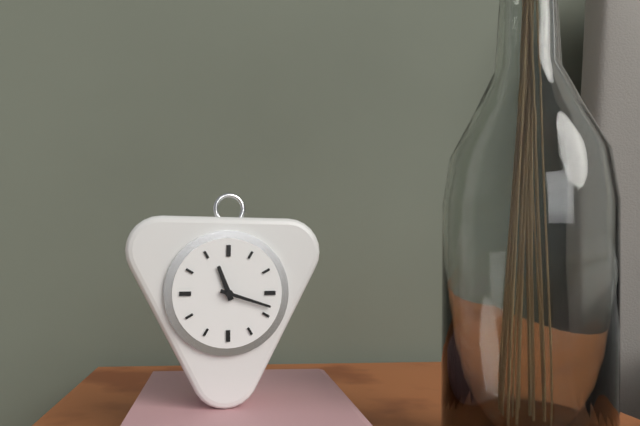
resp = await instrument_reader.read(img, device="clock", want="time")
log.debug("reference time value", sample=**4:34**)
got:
**11:18**
